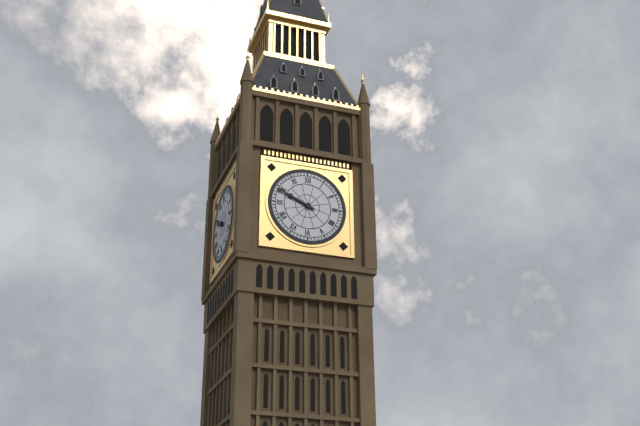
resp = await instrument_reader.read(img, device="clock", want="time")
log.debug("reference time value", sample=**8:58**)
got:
**9:49**
